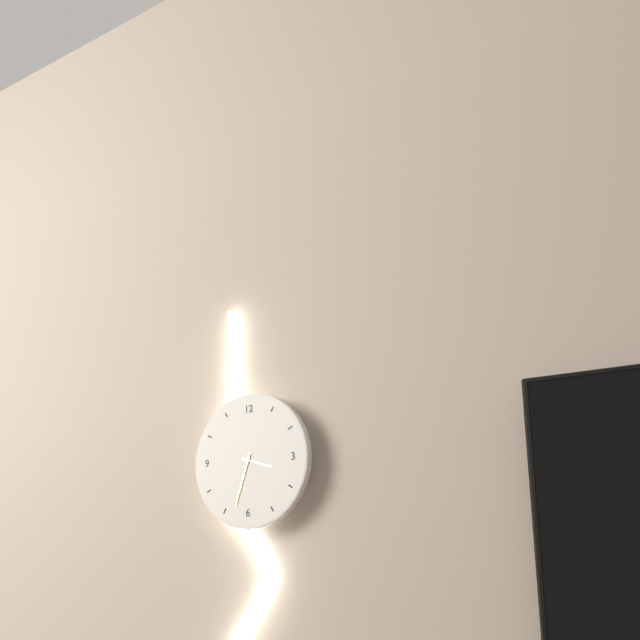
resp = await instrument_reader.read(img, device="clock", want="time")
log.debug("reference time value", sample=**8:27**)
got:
**3:33**
